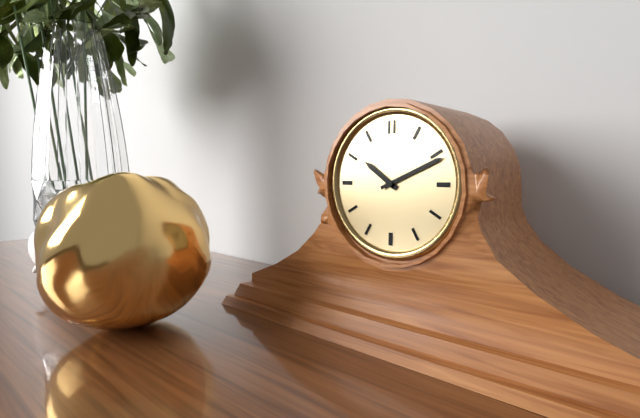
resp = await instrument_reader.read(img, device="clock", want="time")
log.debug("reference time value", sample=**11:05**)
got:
**10:11**
